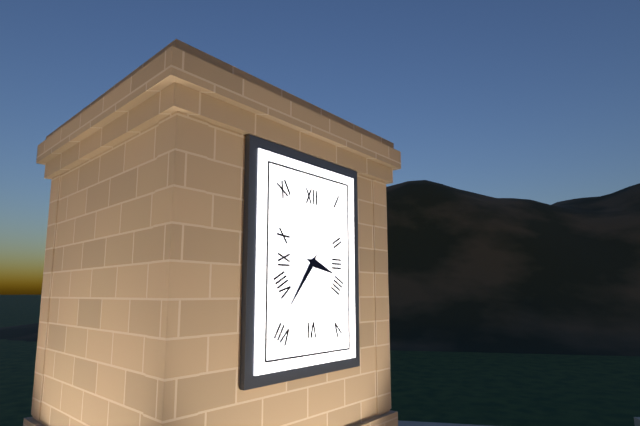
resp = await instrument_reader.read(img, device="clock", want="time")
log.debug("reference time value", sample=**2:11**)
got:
**3:36**
